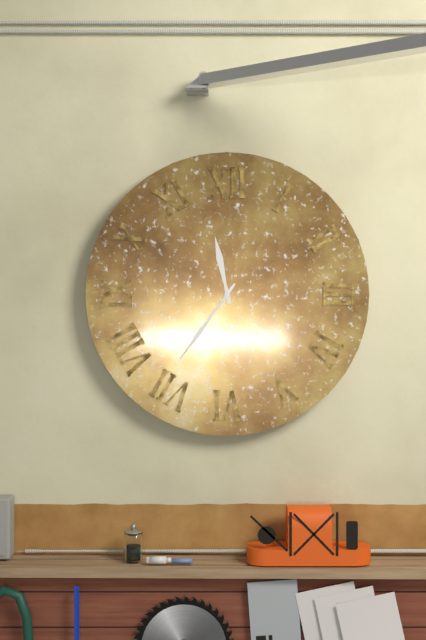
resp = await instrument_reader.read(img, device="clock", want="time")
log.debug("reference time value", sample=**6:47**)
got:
**11:36**
